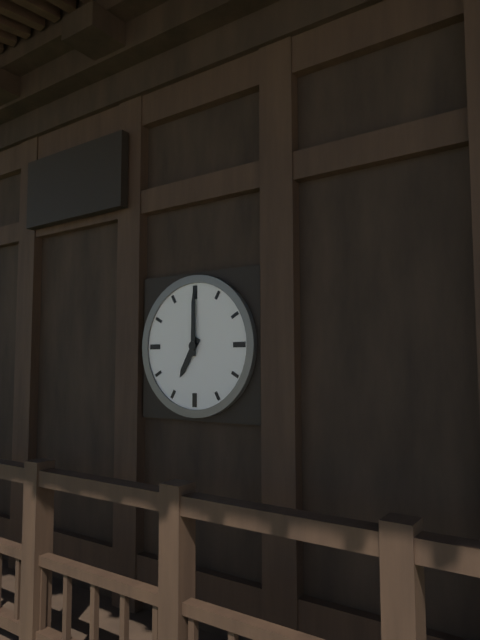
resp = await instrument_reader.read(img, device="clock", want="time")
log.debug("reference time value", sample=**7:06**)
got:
**7:00**
